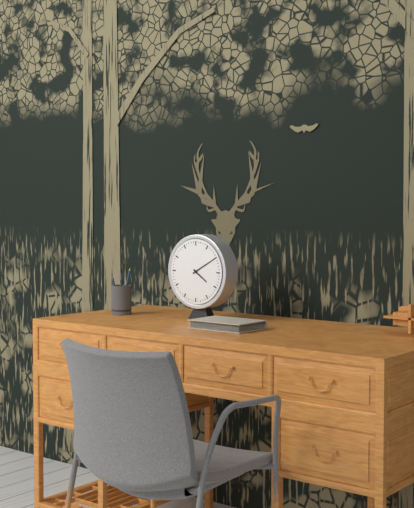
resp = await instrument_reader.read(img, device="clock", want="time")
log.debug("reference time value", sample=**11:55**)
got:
**4:10**
